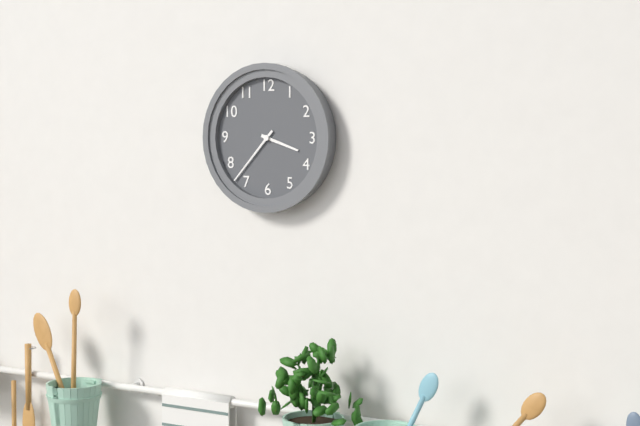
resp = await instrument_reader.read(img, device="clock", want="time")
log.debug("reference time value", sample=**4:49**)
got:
**3:37**
